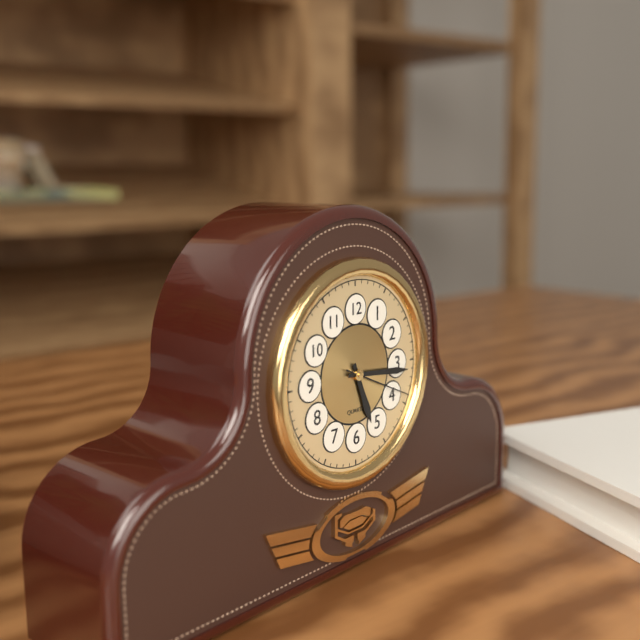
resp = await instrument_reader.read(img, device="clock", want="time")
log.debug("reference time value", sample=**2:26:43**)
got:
**5:16:19**
